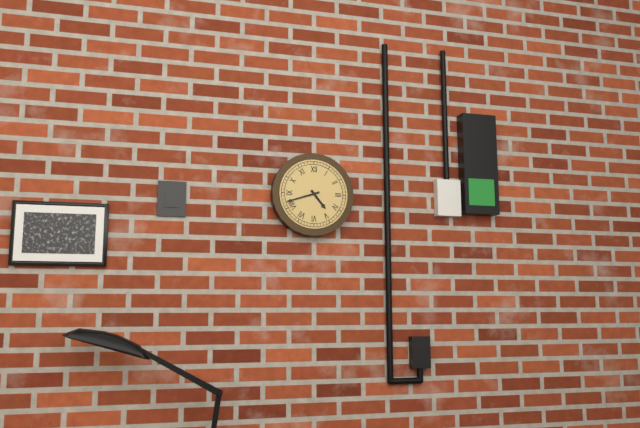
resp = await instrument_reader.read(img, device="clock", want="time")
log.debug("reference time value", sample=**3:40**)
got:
**4:42**
